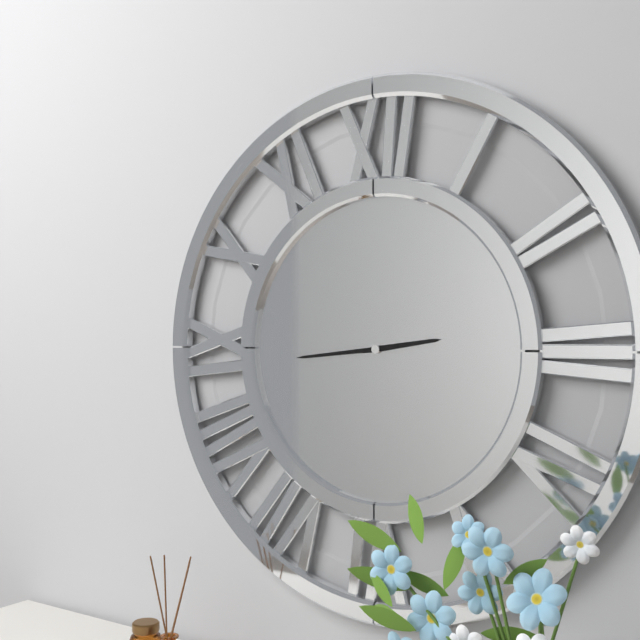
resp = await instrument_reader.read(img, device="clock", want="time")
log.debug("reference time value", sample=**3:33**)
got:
**2:44**
